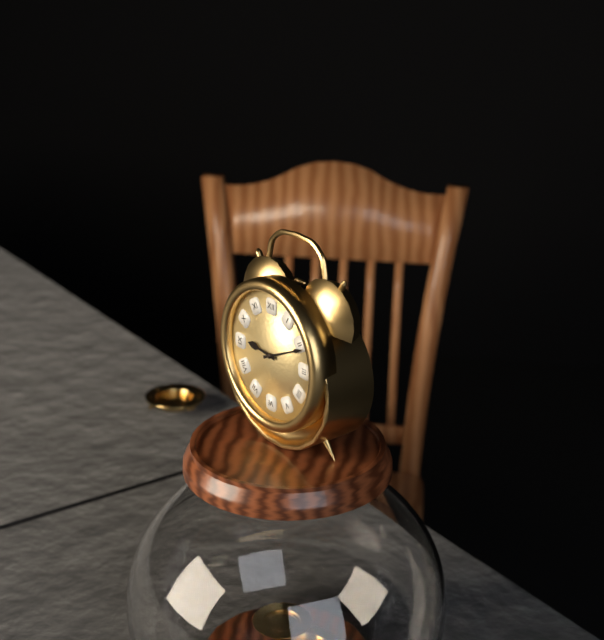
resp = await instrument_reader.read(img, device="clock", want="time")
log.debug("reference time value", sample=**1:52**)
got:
**9:11**
